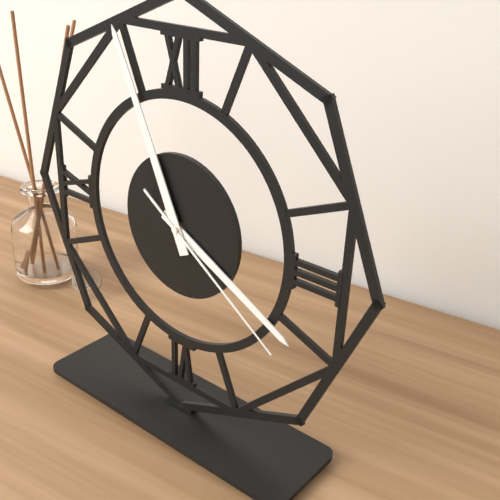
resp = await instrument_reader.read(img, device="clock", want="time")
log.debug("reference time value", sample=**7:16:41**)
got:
**3:56:21**
